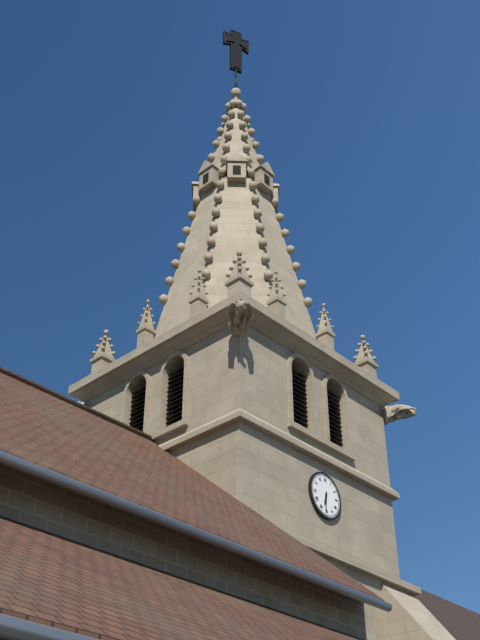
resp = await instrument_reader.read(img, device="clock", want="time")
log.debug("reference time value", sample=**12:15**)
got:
**6:31**
